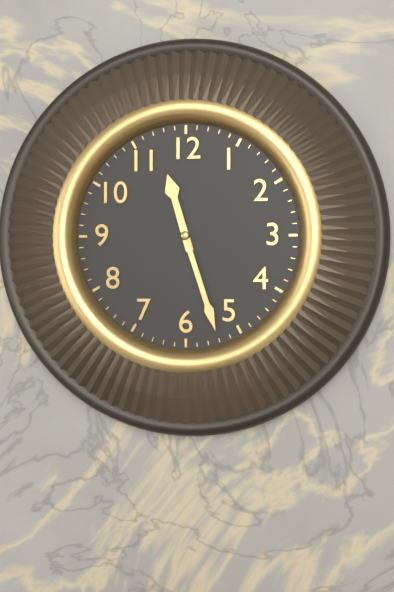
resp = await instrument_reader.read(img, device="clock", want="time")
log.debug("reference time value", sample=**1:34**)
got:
**11:27**
